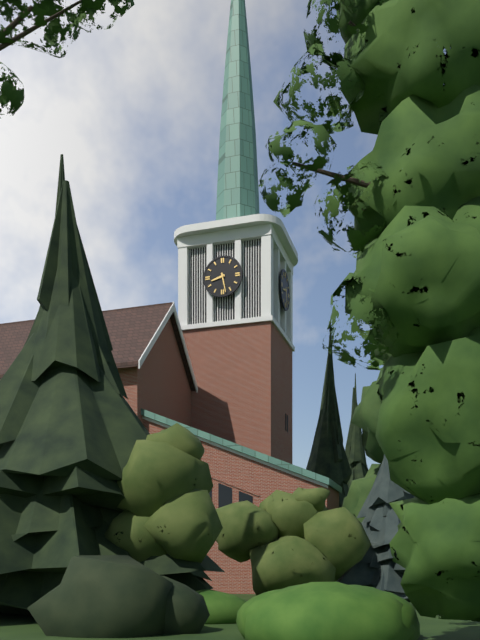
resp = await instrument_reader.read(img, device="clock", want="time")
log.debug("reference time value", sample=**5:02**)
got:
**8:28**
